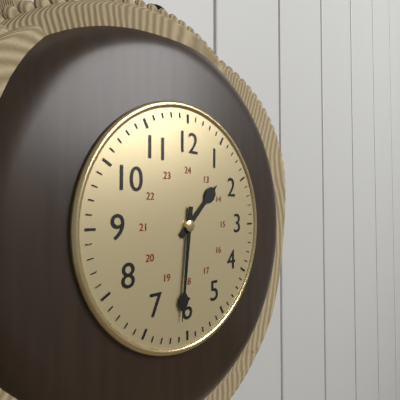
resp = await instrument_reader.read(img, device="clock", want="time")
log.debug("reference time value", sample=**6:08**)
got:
**1:31**
